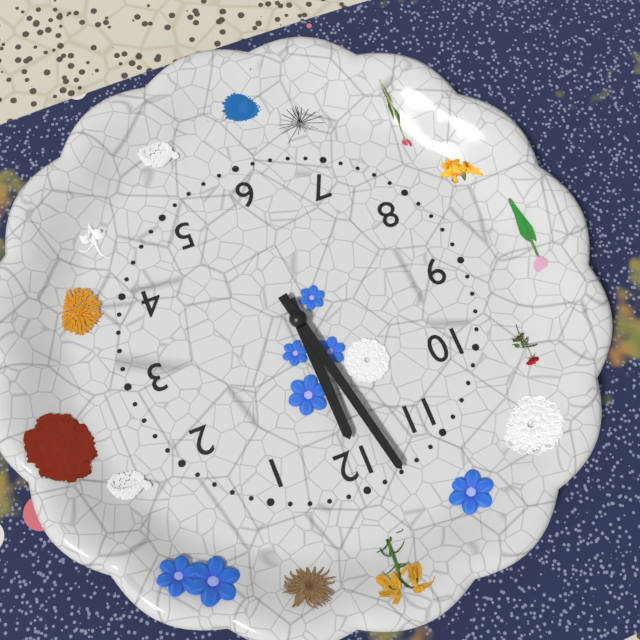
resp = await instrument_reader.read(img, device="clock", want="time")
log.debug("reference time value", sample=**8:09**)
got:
**11:58**
